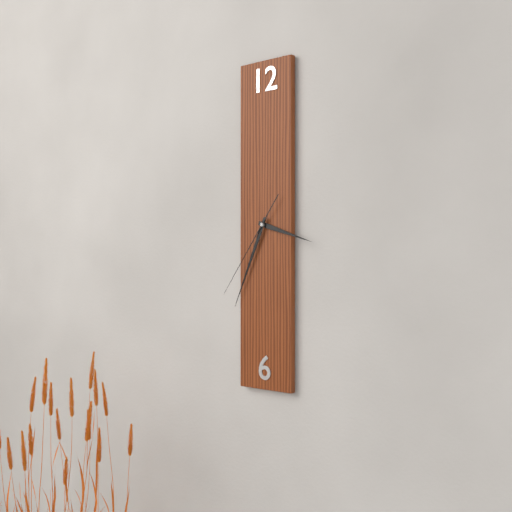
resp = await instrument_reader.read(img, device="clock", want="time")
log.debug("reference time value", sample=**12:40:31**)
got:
**3:34:36**
